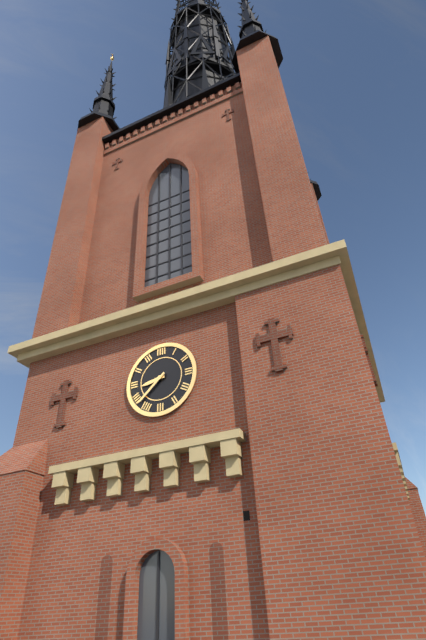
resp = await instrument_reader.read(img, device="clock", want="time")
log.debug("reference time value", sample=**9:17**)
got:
**8:38**
